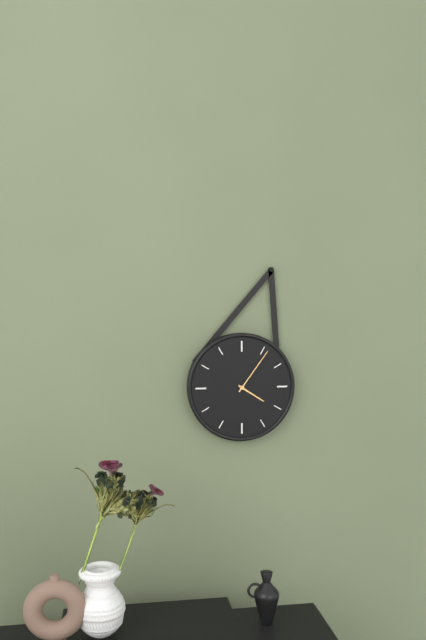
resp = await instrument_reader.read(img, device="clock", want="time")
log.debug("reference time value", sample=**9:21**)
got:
**4:06**
